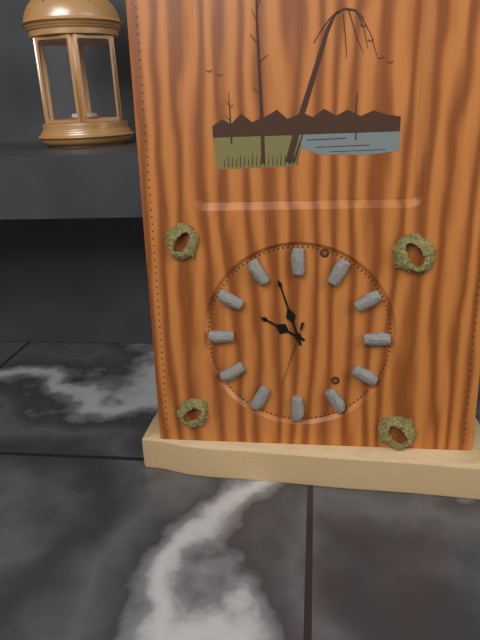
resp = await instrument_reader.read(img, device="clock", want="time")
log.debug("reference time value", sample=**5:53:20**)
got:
**9:57:33**
